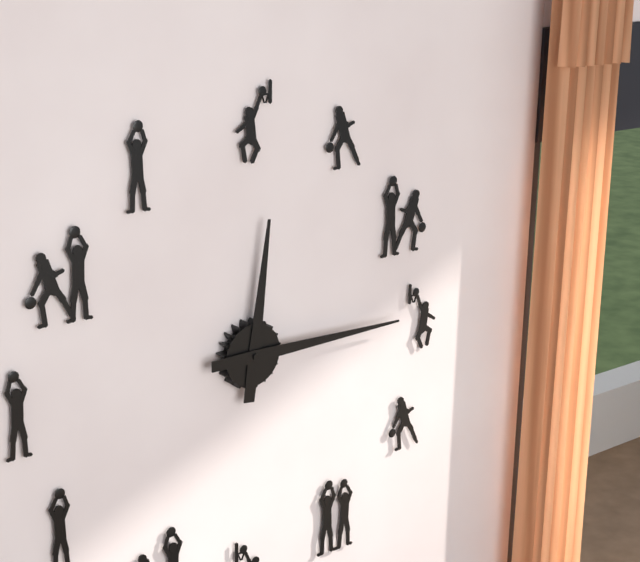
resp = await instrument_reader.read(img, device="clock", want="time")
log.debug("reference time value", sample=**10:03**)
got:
**12:15**
